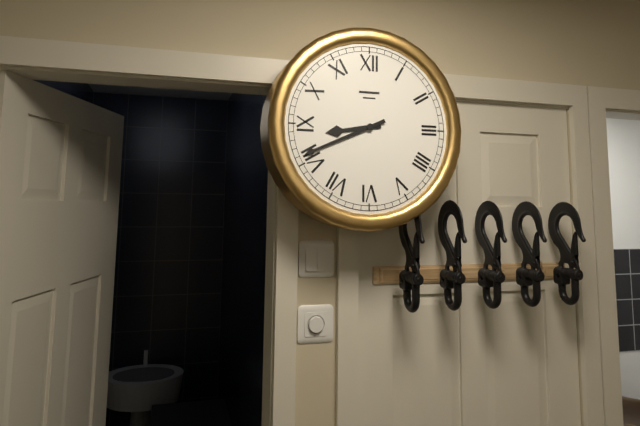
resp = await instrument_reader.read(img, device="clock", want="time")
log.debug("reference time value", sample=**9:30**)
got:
**8:41**
